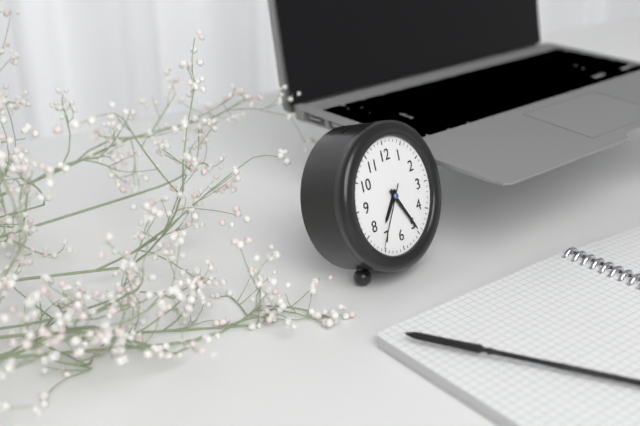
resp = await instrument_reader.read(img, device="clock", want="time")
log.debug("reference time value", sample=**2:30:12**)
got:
**7:25:36**
